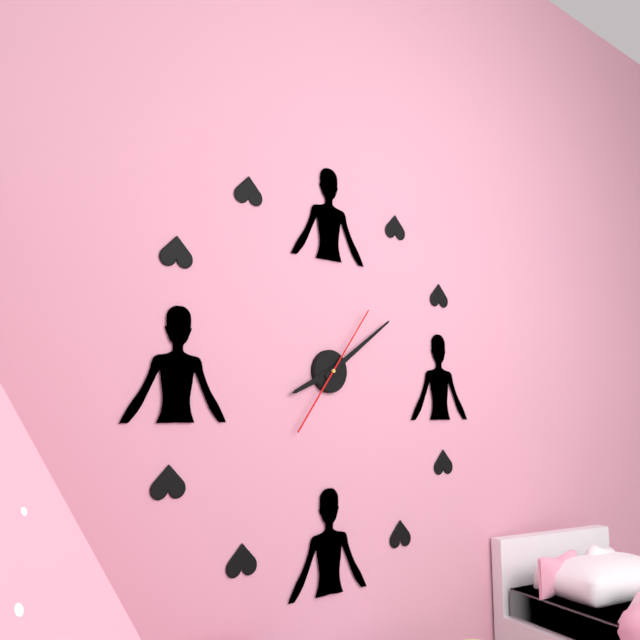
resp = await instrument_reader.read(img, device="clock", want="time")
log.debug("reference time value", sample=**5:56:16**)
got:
**8:09:06**
